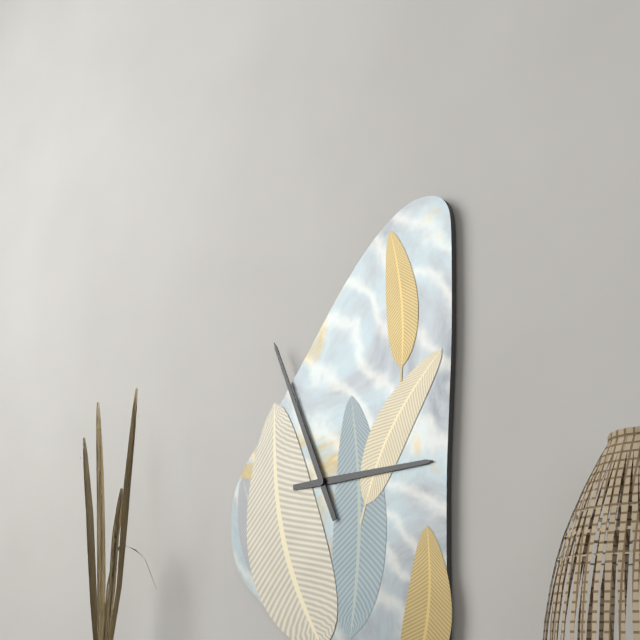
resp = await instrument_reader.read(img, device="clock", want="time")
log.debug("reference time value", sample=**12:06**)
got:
**2:56**
